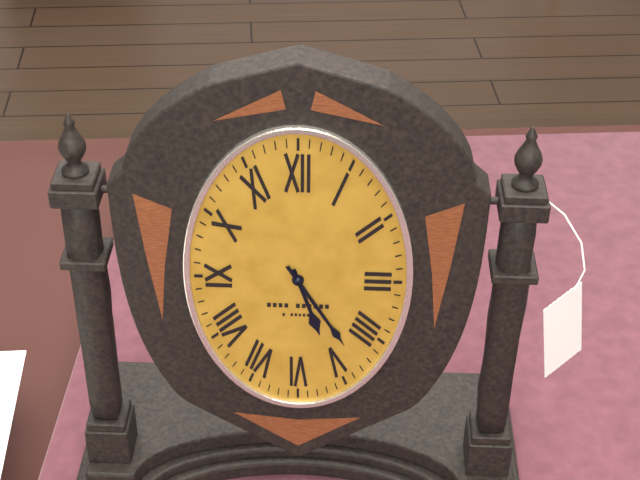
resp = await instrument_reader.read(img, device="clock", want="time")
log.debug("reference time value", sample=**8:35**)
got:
**5:25**
